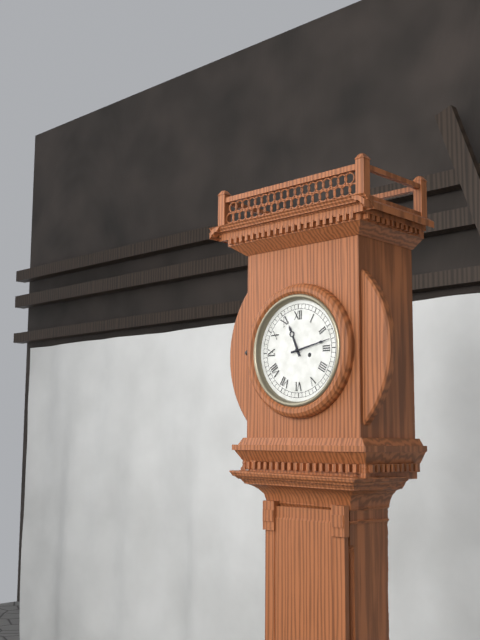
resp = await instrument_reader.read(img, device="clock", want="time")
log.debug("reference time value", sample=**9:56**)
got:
**11:13**
